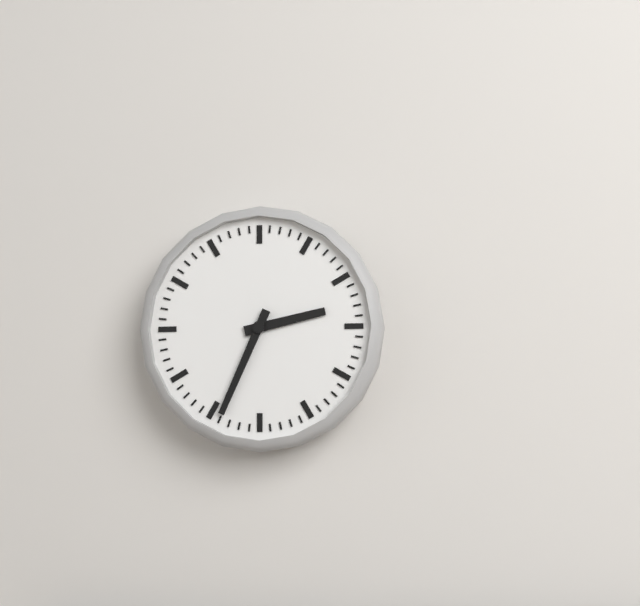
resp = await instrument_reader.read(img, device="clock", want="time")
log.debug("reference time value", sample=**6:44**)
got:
**2:34**
